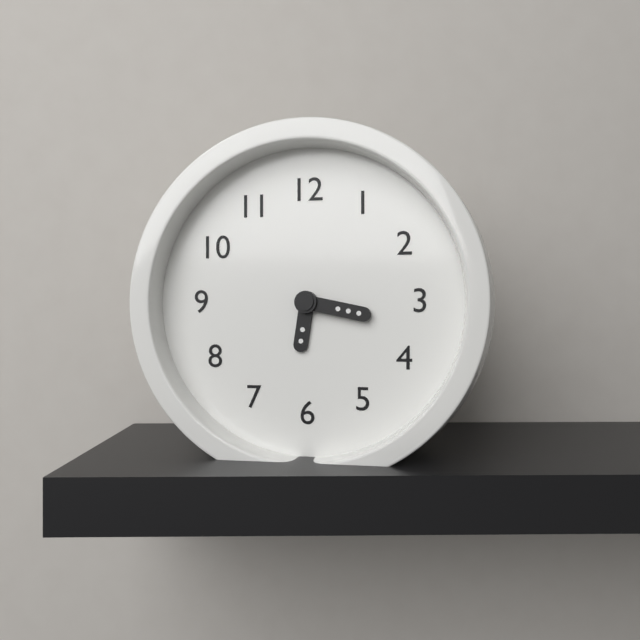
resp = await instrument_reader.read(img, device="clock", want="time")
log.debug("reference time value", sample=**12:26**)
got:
**6:17**
